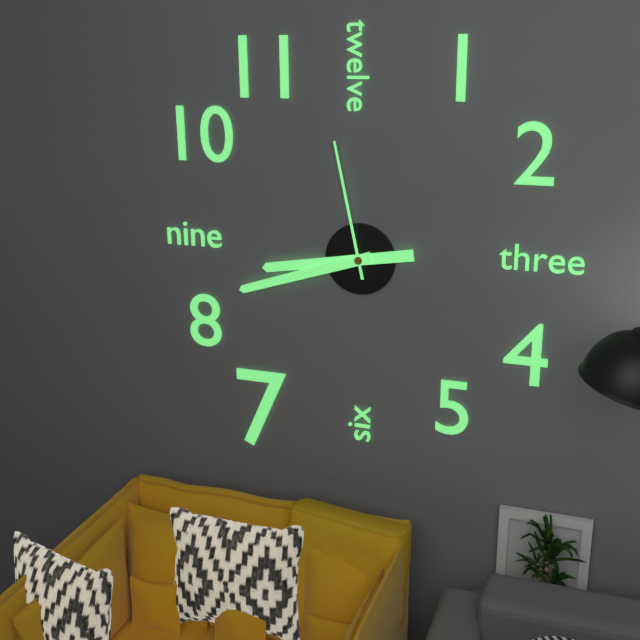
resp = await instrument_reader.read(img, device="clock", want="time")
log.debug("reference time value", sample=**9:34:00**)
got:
**8:42:58**
